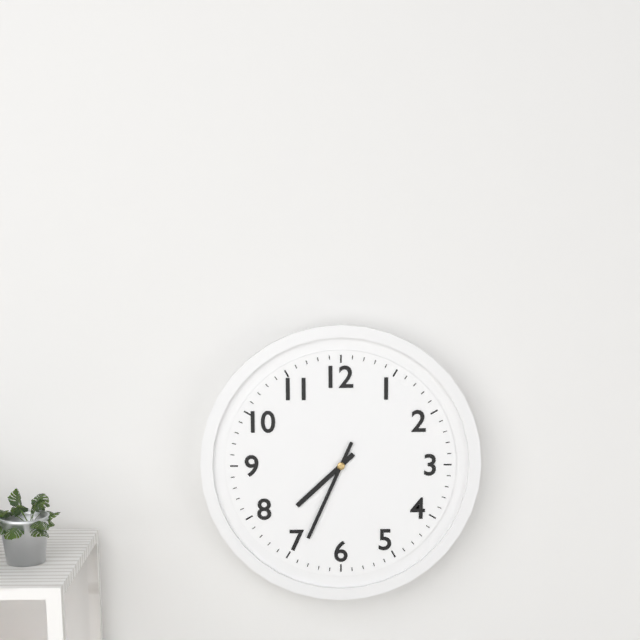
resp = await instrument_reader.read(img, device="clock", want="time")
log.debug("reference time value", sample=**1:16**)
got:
**7:34**
